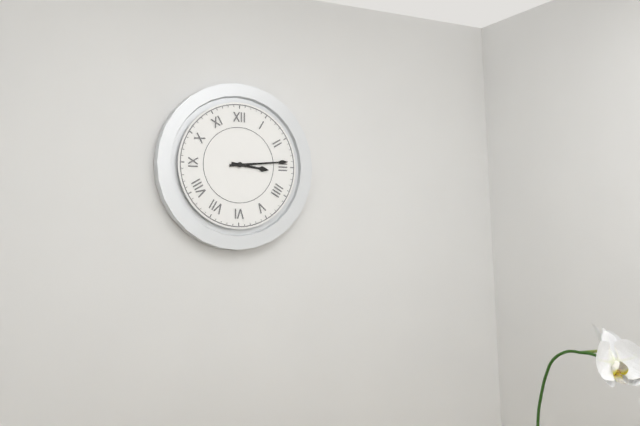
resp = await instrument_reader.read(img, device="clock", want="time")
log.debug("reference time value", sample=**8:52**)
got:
**3:14**
